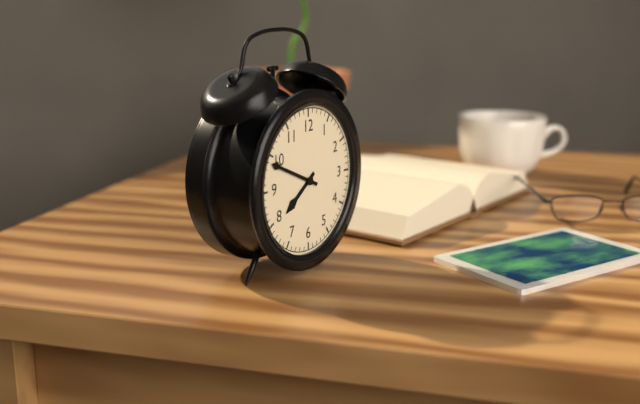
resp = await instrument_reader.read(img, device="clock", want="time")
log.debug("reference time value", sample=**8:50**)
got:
**7:49**
